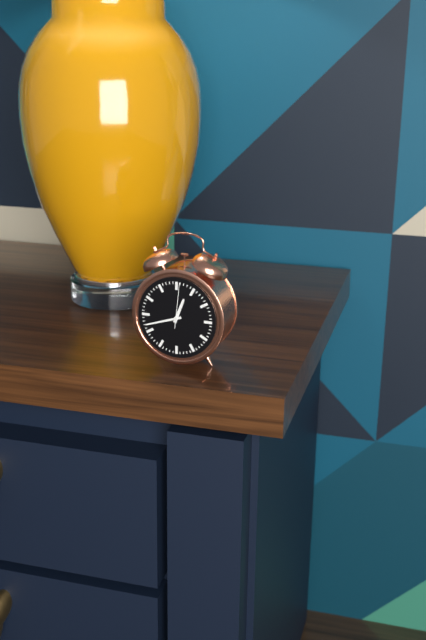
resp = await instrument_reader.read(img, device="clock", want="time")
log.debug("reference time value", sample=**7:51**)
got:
**12:42**
